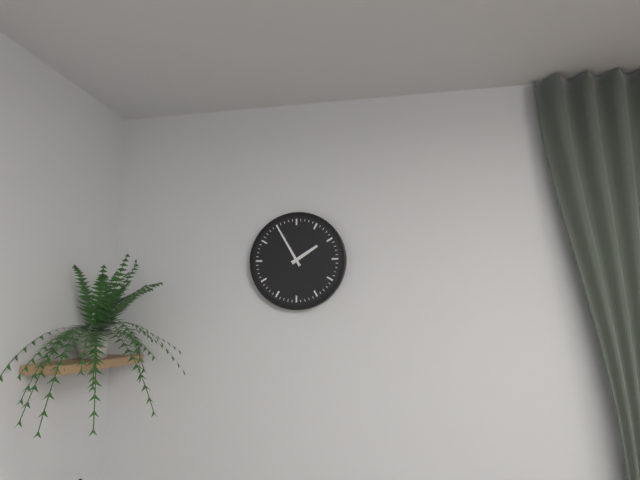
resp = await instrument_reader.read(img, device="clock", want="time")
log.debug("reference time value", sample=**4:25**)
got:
**1:55**
